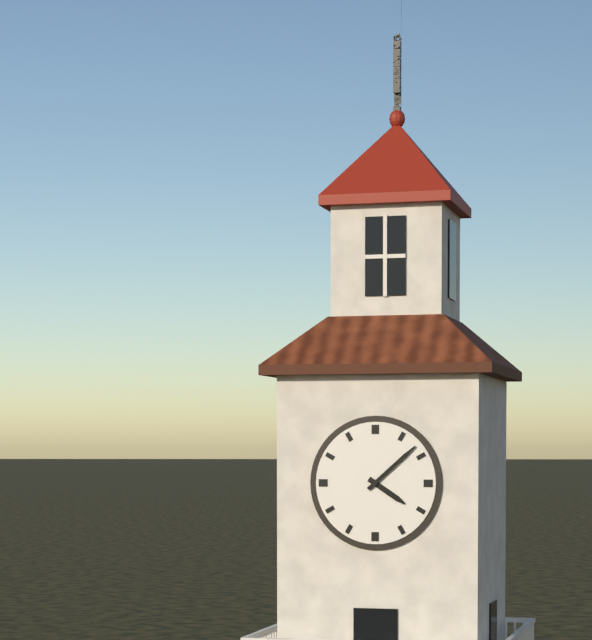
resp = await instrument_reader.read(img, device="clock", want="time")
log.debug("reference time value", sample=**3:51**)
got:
**4:08**
